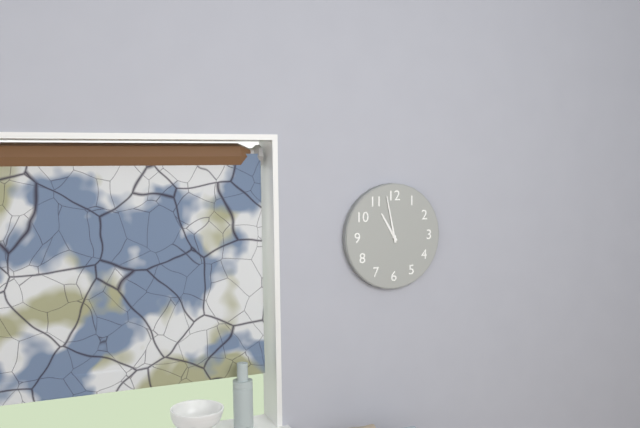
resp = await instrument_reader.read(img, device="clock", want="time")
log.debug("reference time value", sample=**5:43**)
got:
**10:58**
